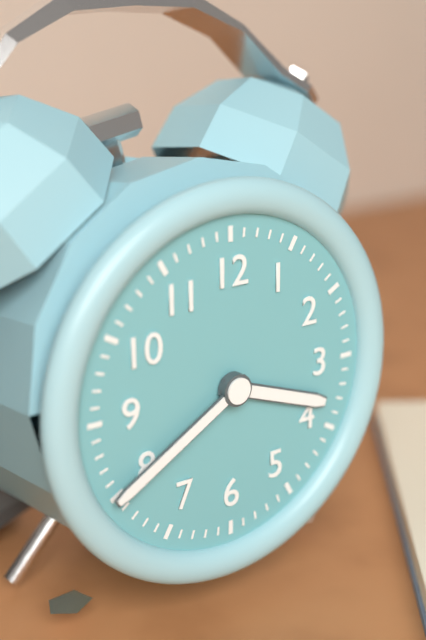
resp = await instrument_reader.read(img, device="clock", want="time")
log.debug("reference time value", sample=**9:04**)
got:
**3:40**
